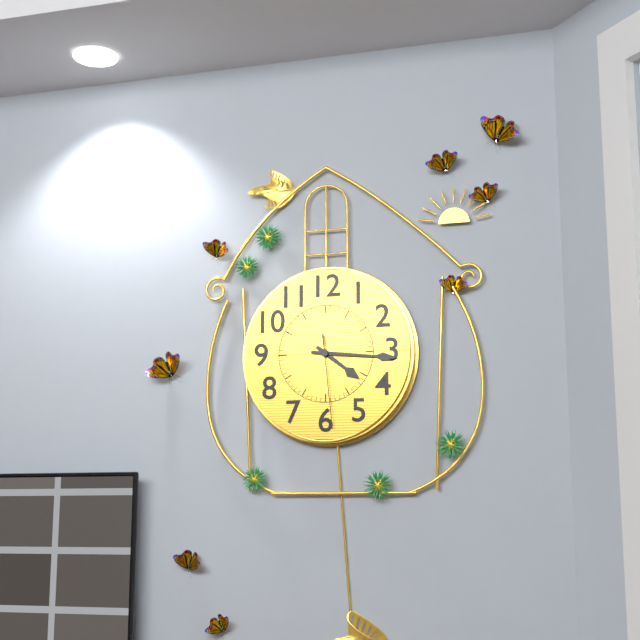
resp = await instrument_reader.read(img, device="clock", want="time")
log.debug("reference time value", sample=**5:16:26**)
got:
**4:16:29**
